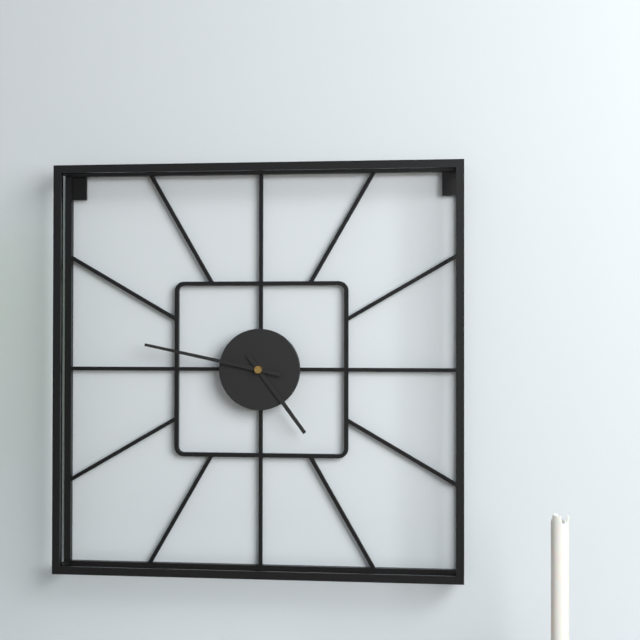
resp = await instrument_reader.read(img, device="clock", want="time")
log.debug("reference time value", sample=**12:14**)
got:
**4:47**
